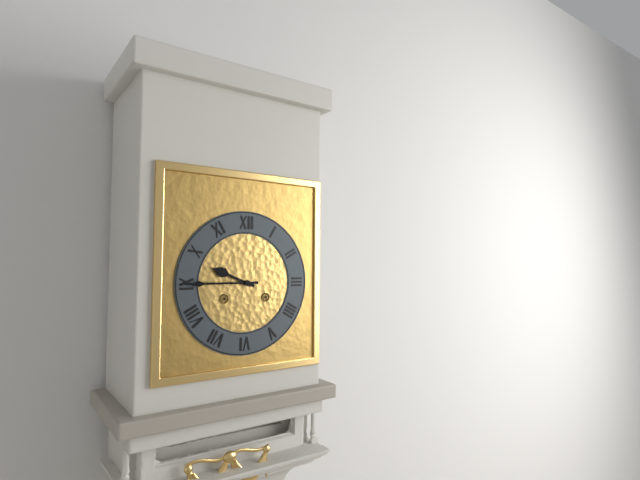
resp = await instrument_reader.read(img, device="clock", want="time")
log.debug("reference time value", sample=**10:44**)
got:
**9:45**
